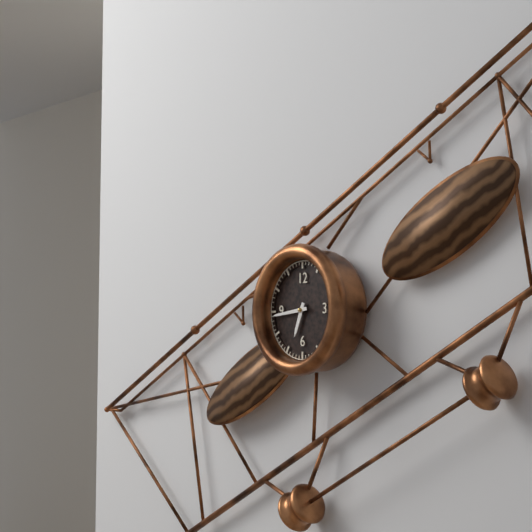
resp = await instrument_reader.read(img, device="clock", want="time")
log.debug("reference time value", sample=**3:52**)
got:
**6:44**
